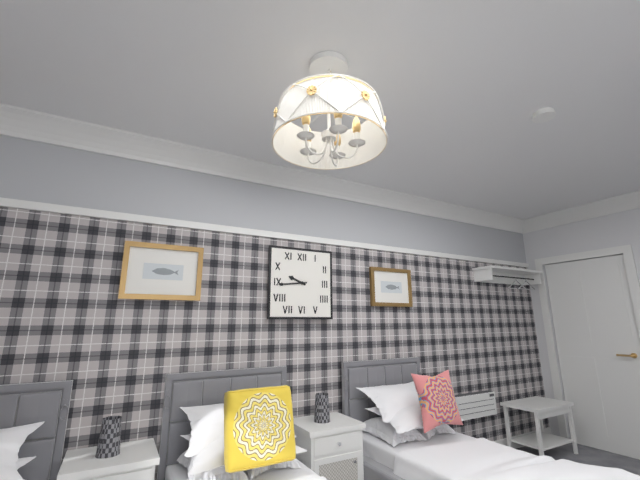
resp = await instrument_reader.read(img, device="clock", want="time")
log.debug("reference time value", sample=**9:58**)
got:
**9:44**
